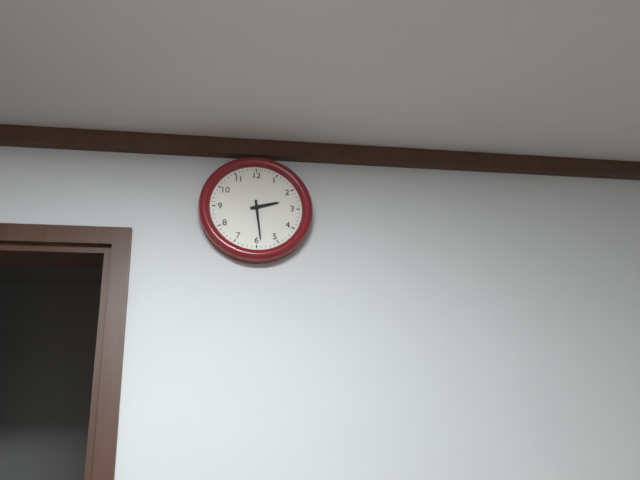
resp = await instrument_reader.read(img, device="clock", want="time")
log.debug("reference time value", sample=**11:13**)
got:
**2:29**
